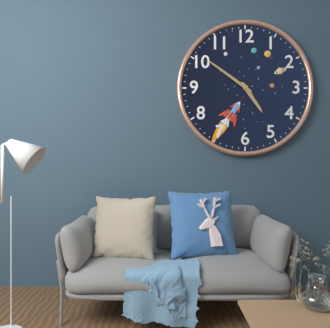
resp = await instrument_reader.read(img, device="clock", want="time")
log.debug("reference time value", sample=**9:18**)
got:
**4:51**
